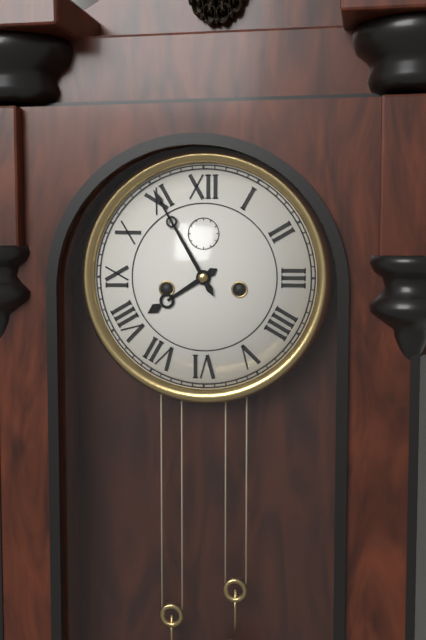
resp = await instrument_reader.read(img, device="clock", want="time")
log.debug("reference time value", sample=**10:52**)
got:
**7:55**
